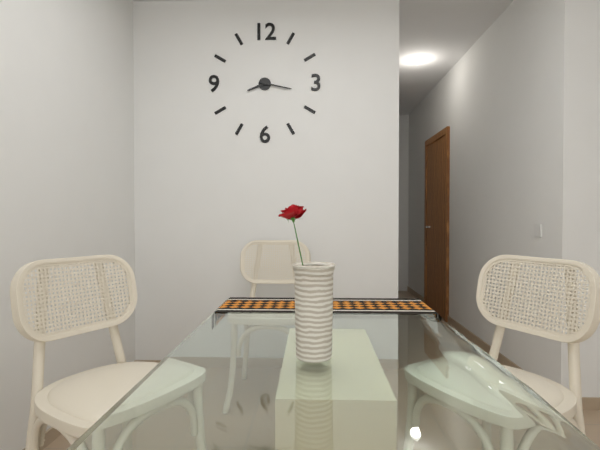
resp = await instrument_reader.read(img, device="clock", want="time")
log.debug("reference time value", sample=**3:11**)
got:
**8:17**
